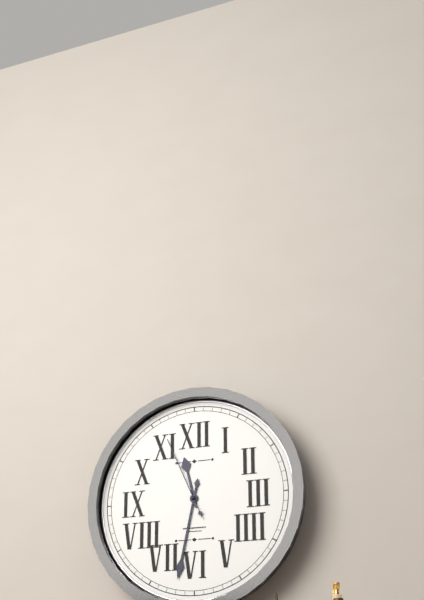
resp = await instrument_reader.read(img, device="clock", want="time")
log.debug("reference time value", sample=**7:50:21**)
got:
**11:32:56**
